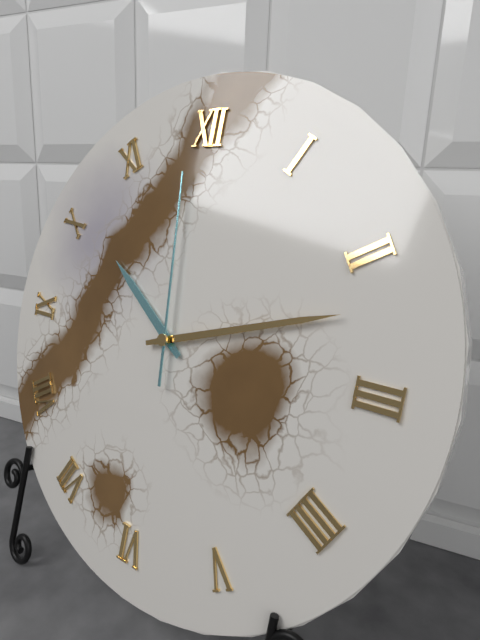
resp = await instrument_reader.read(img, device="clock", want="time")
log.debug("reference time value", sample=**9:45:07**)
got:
**10:12:59**
